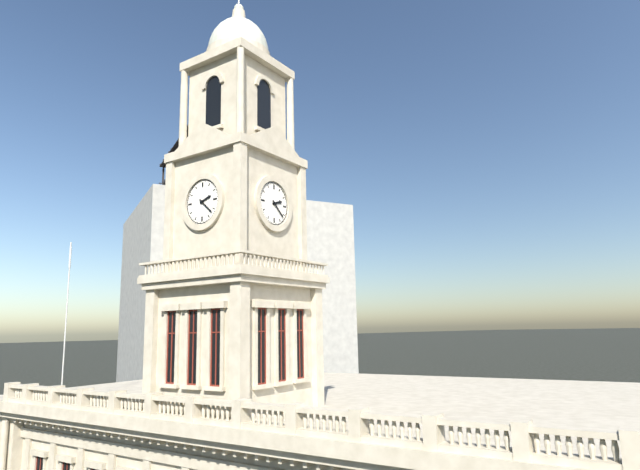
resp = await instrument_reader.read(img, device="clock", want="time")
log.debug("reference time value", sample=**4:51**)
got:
**2:22**
